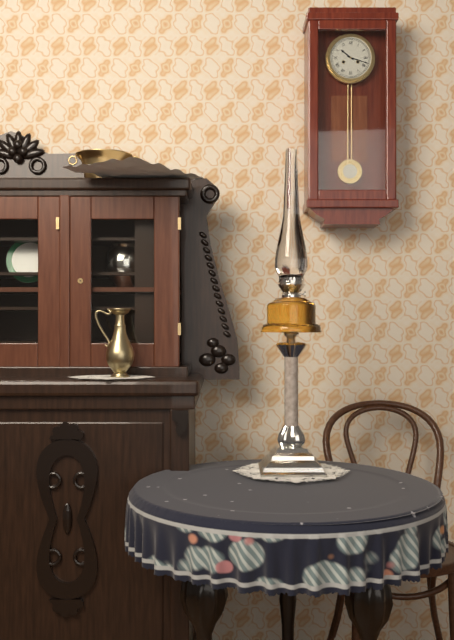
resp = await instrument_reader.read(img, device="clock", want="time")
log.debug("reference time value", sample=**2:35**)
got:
**10:18**
